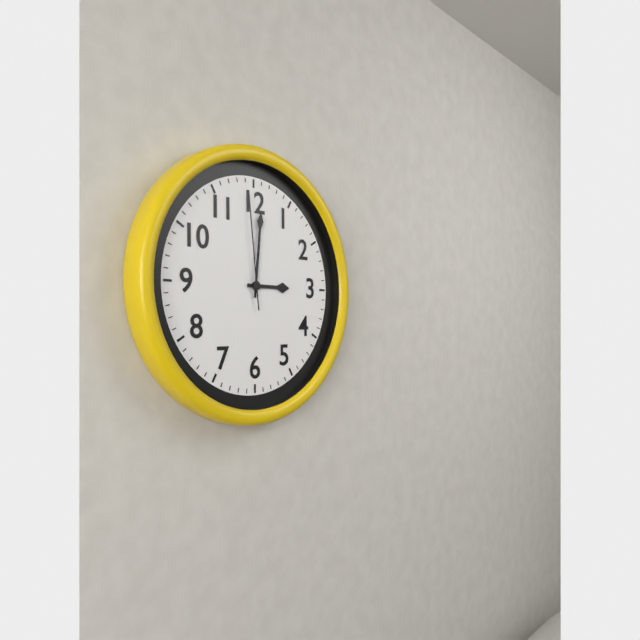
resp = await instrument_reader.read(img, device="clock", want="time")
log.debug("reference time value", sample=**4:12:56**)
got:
**3:01:59**
